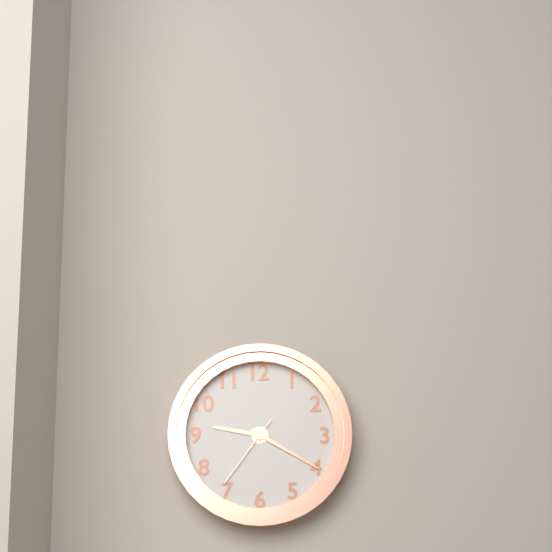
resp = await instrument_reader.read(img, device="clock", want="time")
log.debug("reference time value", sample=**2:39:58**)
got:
**9:20:36**
